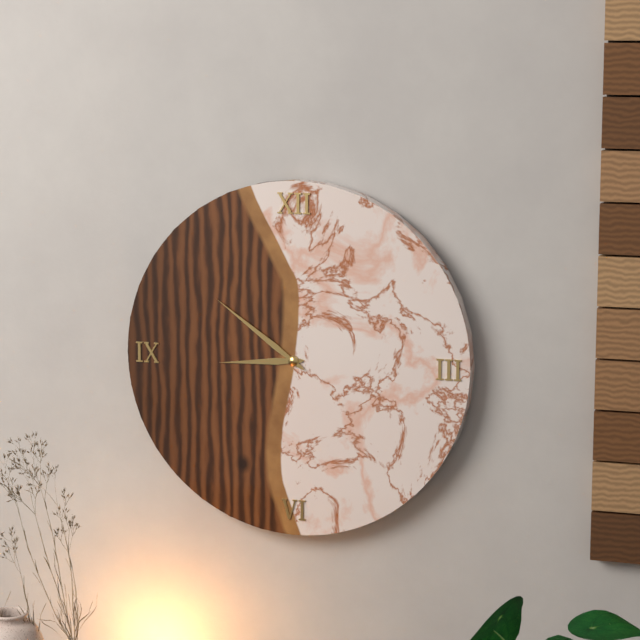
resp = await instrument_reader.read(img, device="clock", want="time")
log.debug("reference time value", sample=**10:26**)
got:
**8:51**
